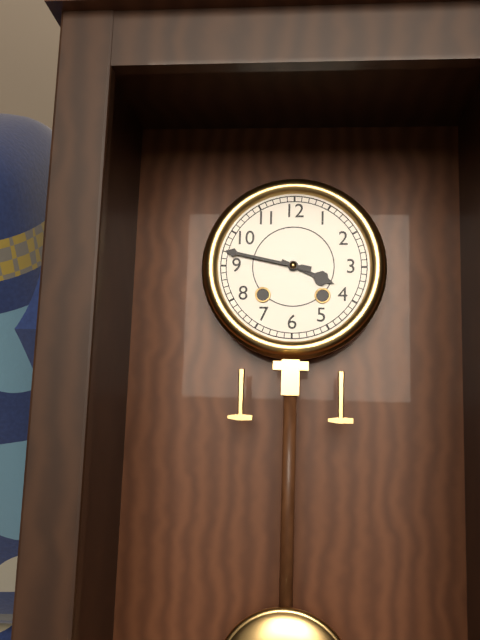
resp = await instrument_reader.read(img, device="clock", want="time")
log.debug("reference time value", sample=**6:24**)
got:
**3:47**
